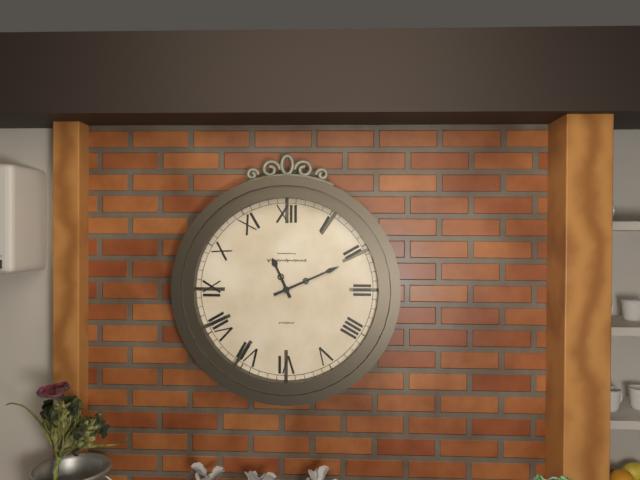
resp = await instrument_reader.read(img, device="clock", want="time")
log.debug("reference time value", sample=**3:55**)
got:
**11:11**
